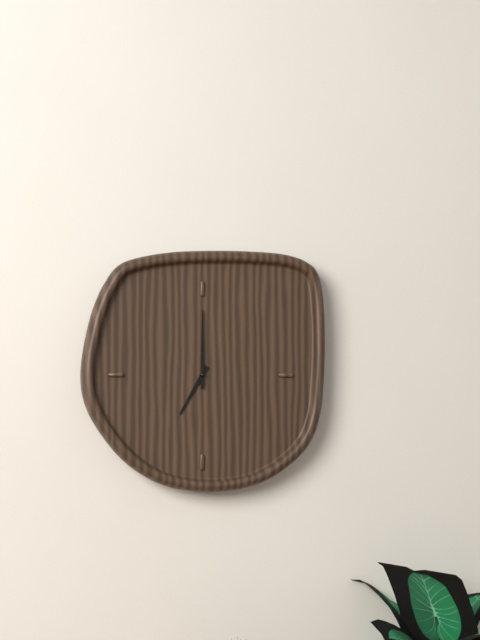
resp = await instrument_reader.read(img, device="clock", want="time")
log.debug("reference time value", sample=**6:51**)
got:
**7:00**
